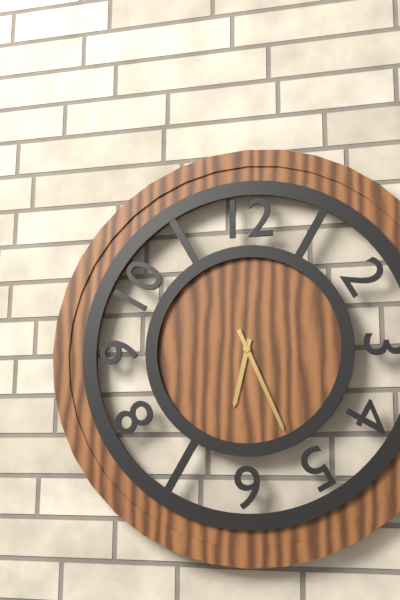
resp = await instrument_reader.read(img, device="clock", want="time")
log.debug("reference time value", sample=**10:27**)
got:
**6:26**
